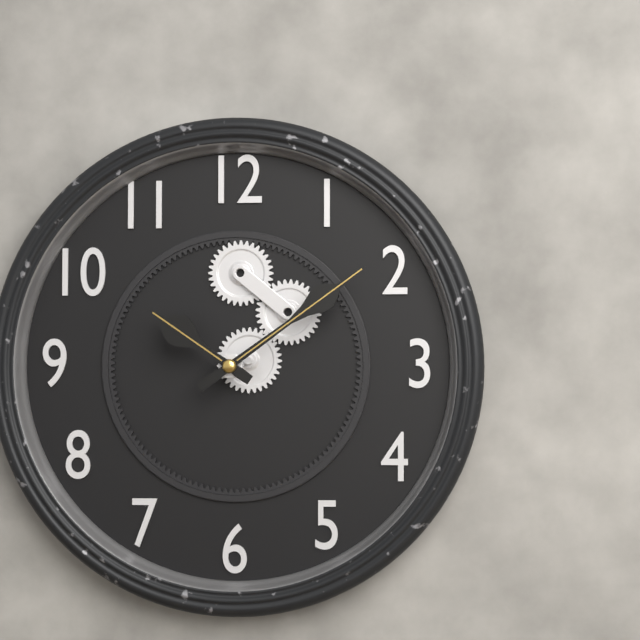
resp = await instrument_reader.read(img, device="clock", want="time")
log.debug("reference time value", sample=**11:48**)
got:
**10:09**
